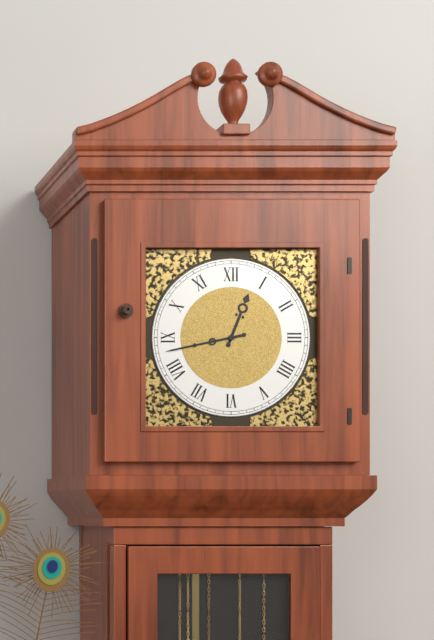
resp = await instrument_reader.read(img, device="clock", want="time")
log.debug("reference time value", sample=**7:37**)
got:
**12:43**
